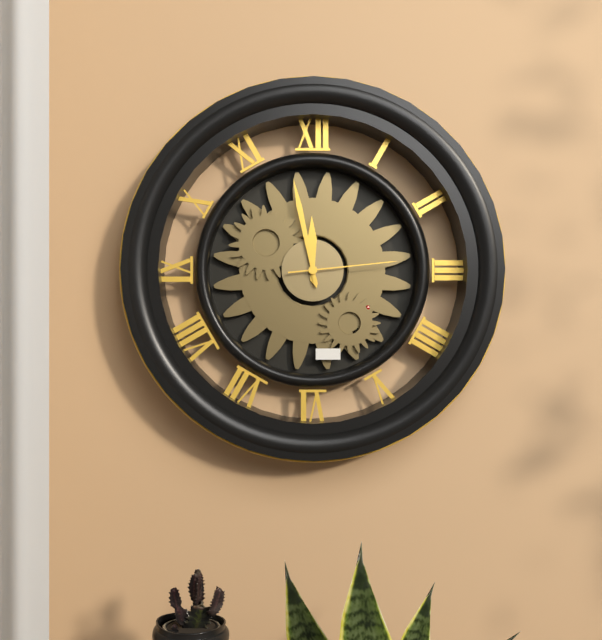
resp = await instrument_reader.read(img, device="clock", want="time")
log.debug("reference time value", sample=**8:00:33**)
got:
**11:58:14**
